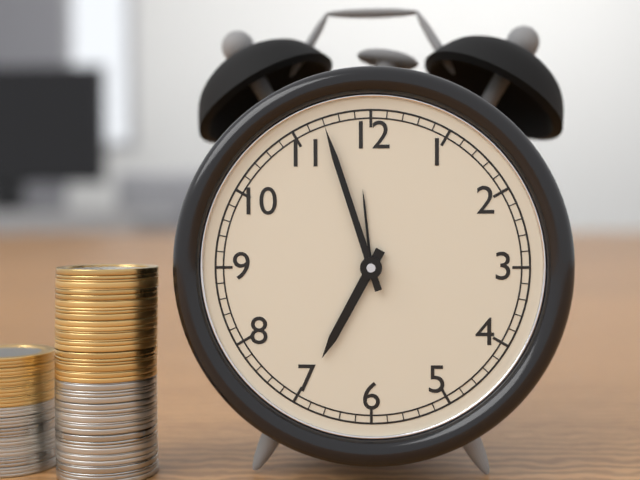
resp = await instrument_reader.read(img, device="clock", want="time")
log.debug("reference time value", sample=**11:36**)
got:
**6:57**
